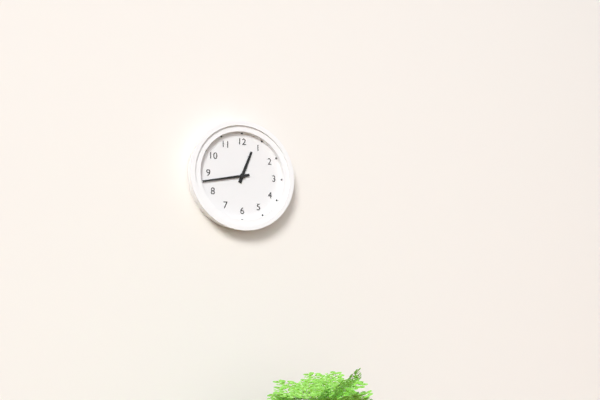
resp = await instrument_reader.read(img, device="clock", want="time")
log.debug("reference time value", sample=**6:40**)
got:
**12:43**
